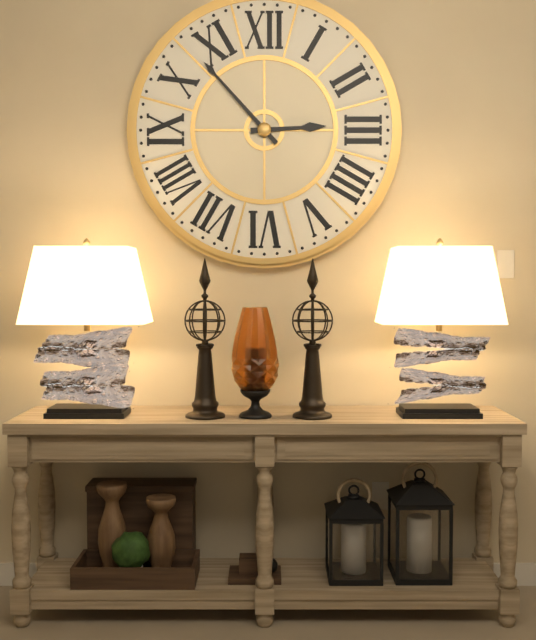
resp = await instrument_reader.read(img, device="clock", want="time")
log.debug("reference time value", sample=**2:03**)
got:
**2:53**
